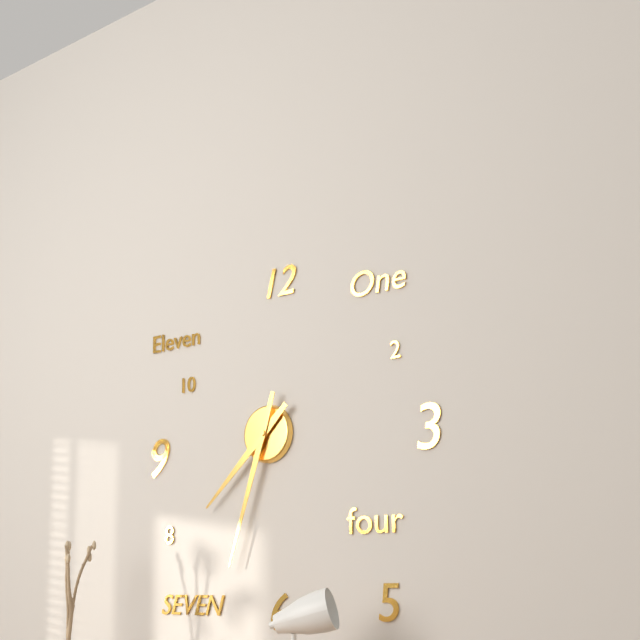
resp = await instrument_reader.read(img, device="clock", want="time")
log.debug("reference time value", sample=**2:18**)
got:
**7:33**
